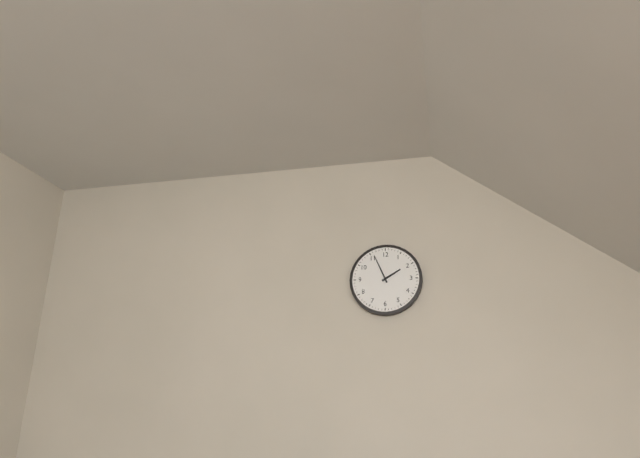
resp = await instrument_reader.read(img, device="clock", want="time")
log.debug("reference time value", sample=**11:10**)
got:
**1:56**
